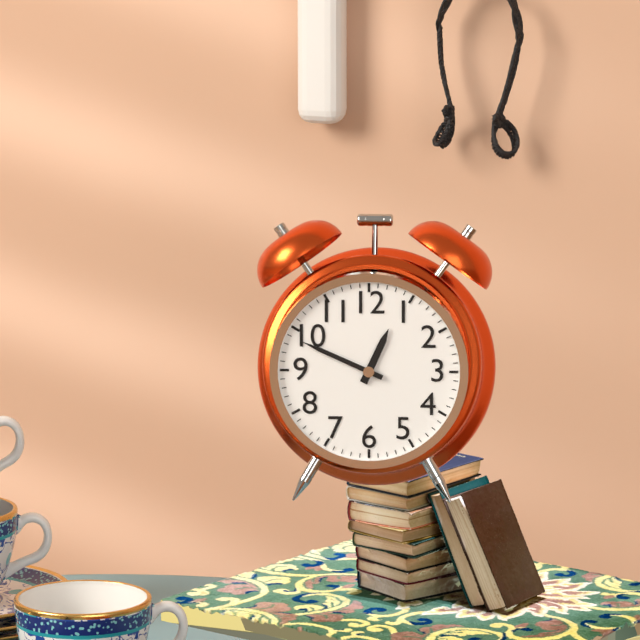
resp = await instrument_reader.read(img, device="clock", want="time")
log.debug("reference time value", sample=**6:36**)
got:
**12:49**
